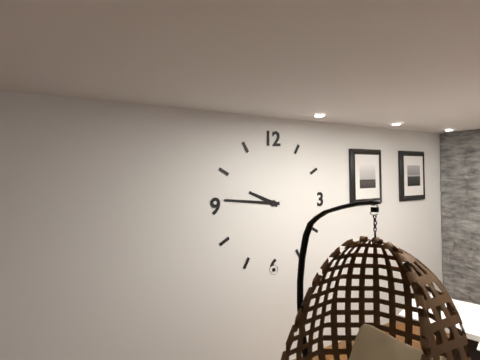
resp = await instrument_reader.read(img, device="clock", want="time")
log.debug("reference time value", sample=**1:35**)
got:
**9:46**
